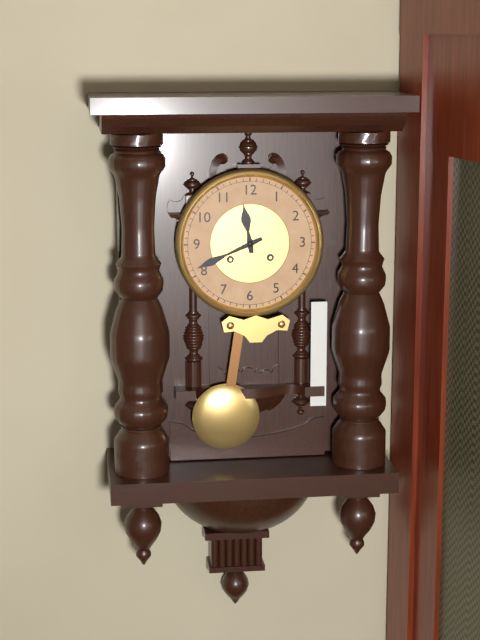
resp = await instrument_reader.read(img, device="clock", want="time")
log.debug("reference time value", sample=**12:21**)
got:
**11:41**
